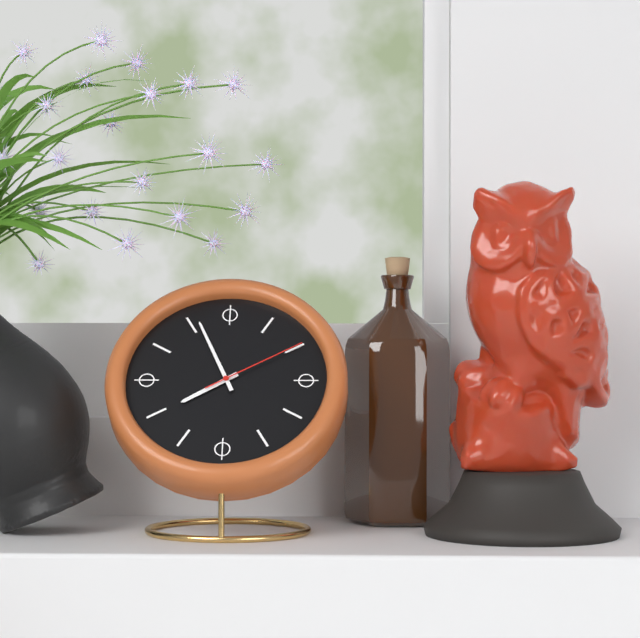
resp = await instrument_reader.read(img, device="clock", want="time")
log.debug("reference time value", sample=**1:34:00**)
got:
**7:56:10**
